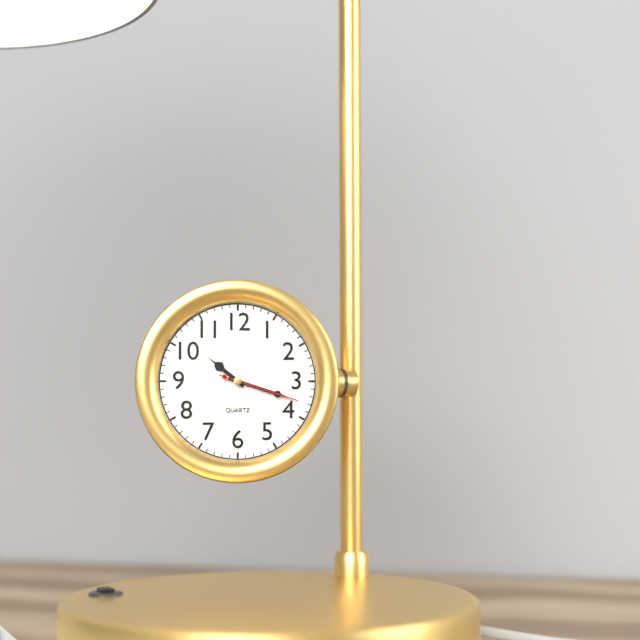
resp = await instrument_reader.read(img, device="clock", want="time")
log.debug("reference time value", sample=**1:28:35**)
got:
**10:18:18**
